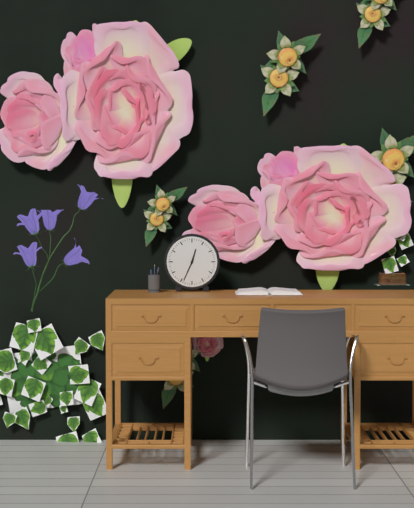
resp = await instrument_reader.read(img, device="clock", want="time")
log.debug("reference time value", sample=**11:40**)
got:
**12:34**
